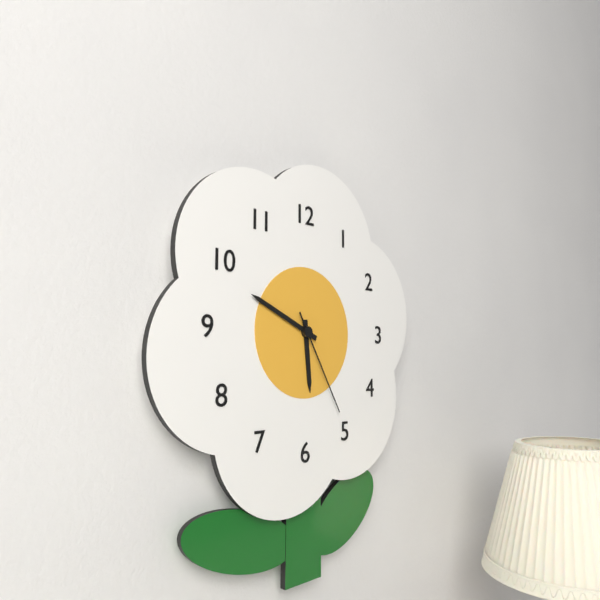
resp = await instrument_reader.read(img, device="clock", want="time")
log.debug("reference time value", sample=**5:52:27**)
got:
**5:49:25**
